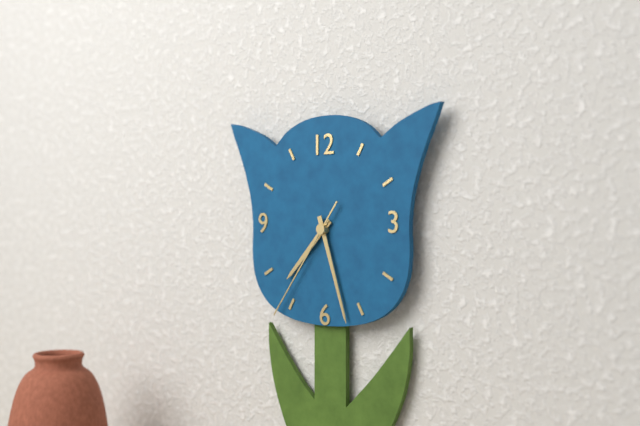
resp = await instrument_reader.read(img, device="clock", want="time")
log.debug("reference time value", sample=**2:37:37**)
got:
**7:27:36**
